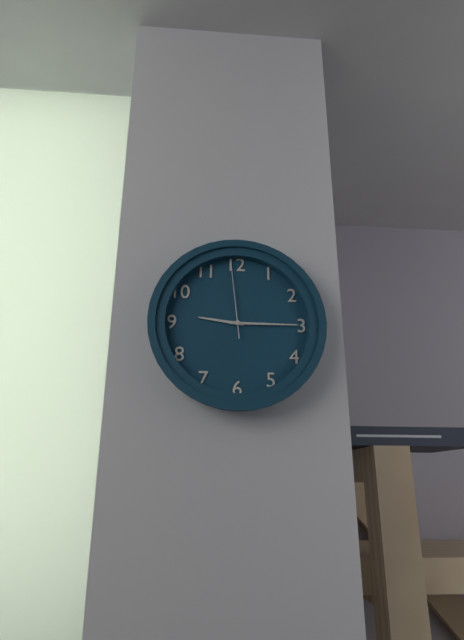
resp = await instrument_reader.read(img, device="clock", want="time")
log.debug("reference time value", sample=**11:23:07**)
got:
**9:15:59**
